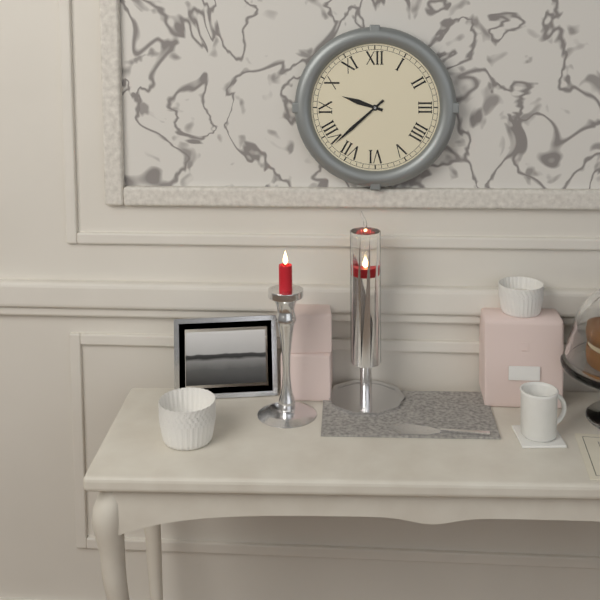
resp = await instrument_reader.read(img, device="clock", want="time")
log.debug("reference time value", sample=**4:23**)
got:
**9:38**
